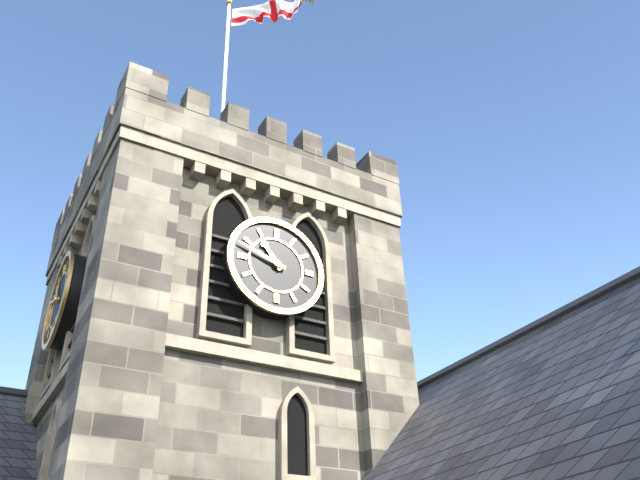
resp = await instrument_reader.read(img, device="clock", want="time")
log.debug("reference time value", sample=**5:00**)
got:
**10:48**
